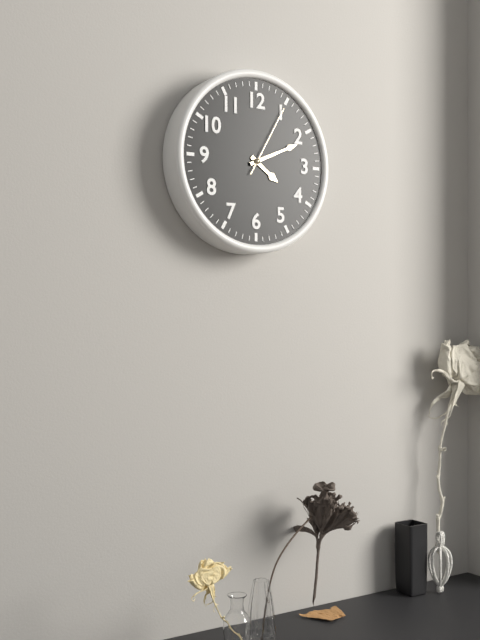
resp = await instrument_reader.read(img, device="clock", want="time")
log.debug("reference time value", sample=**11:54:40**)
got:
**4:11:05**
